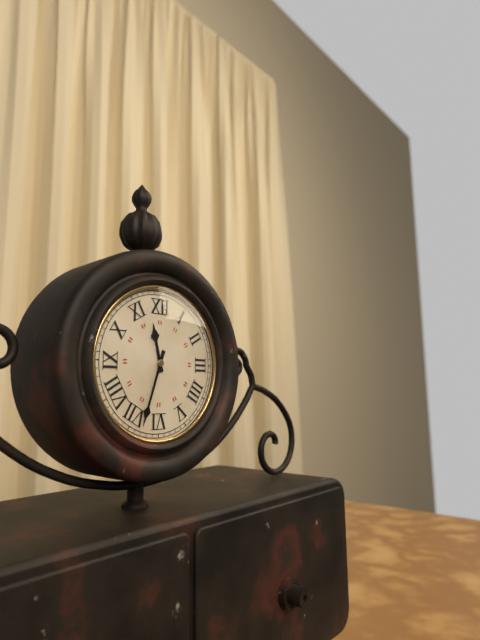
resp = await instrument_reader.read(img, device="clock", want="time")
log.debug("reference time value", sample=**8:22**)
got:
**11:33**
